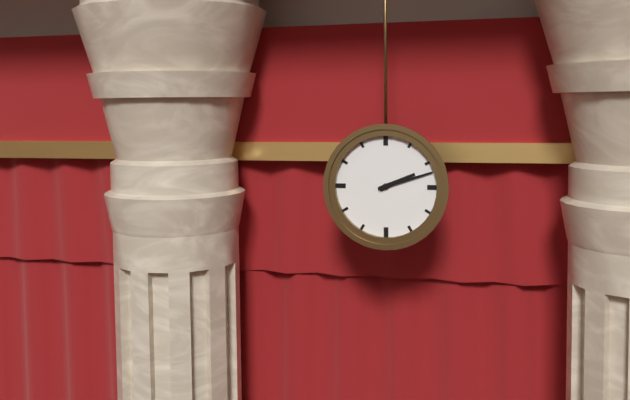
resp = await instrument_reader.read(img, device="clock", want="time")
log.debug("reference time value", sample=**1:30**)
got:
**2:12**
